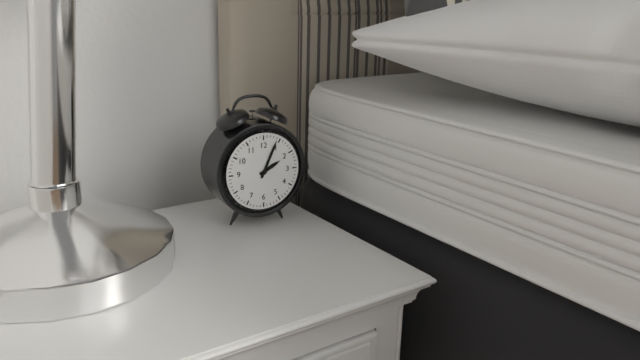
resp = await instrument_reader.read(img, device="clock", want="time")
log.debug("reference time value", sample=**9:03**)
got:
**2:04**
